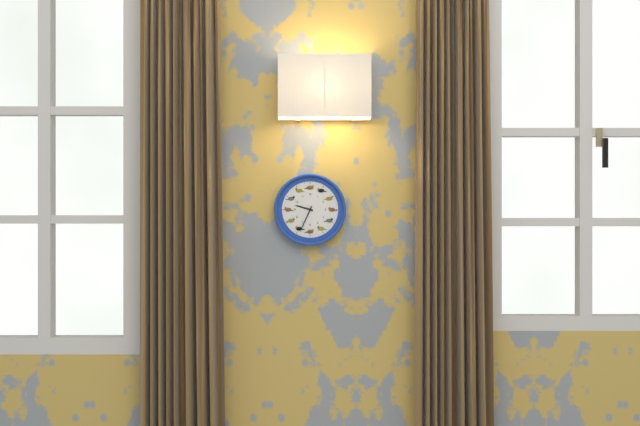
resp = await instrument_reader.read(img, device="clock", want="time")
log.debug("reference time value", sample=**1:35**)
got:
**9:34**
